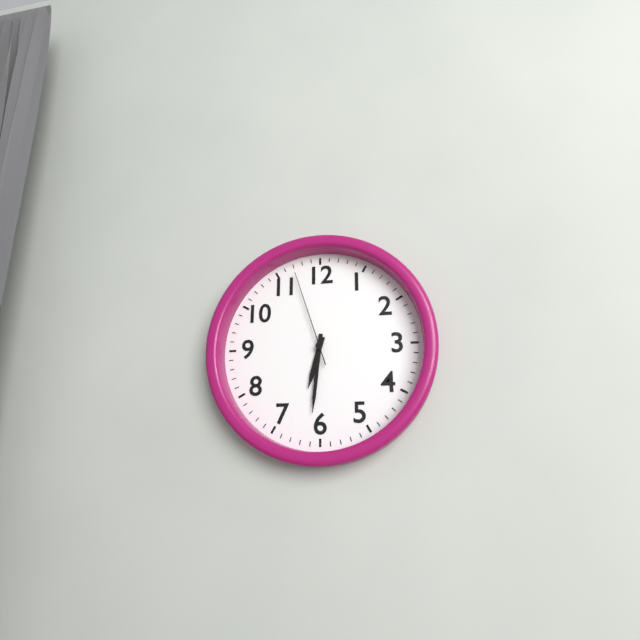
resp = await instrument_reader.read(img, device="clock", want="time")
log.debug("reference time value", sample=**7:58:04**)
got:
**6:31:57**
